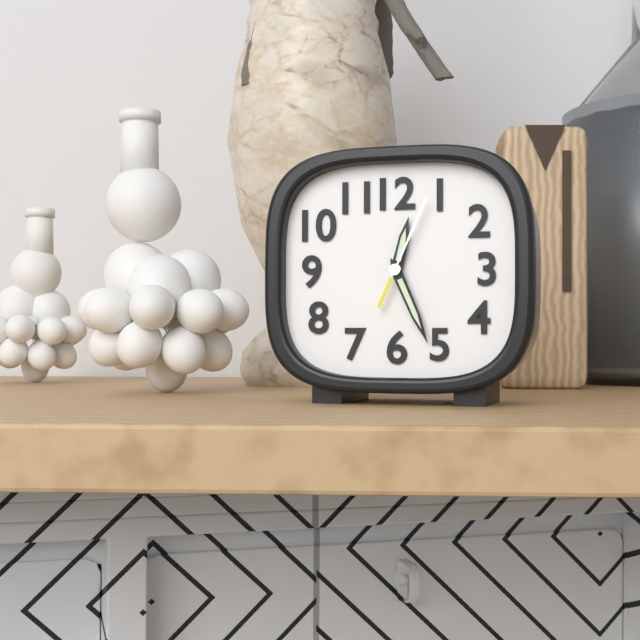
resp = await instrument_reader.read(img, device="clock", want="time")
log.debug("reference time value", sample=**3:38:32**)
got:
**12:26:04**
